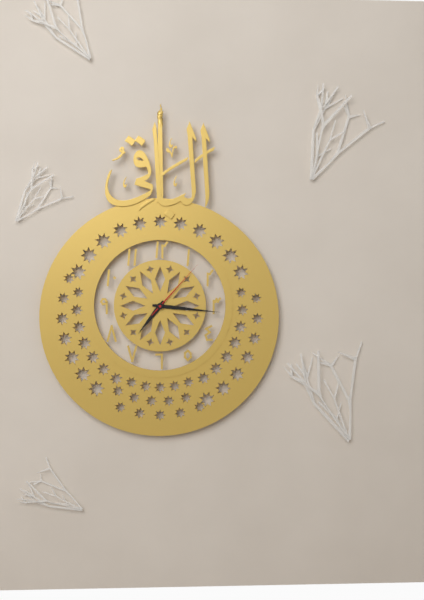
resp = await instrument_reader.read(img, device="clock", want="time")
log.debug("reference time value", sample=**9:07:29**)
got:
**7:16:07**
